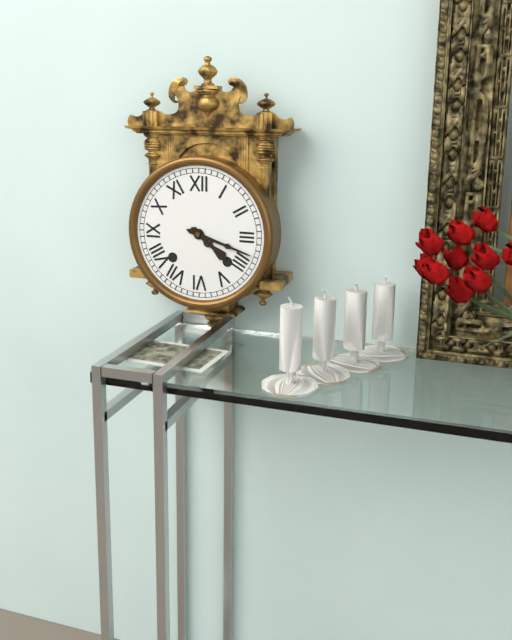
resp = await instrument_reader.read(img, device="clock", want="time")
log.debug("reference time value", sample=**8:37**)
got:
**4:18**
